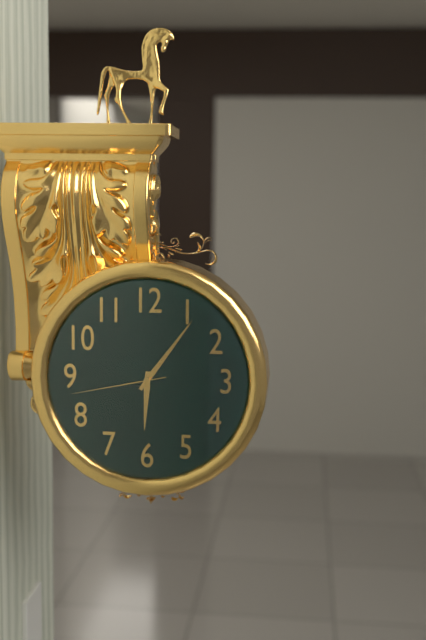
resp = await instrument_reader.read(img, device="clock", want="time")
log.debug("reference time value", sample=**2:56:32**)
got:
**6:06:43**
